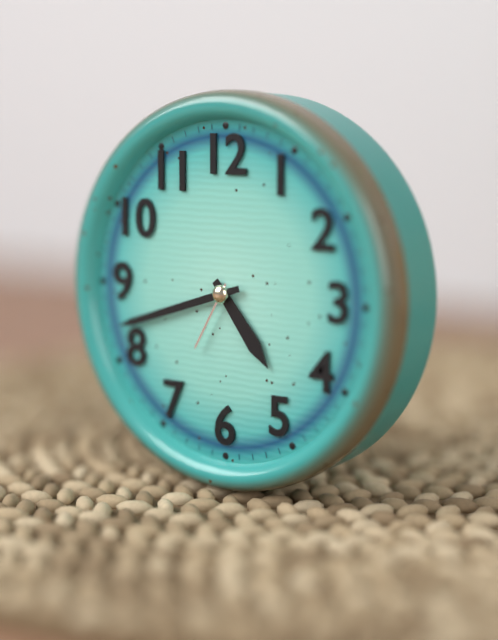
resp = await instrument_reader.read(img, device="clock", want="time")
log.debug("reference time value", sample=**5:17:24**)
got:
**4:42:35**
